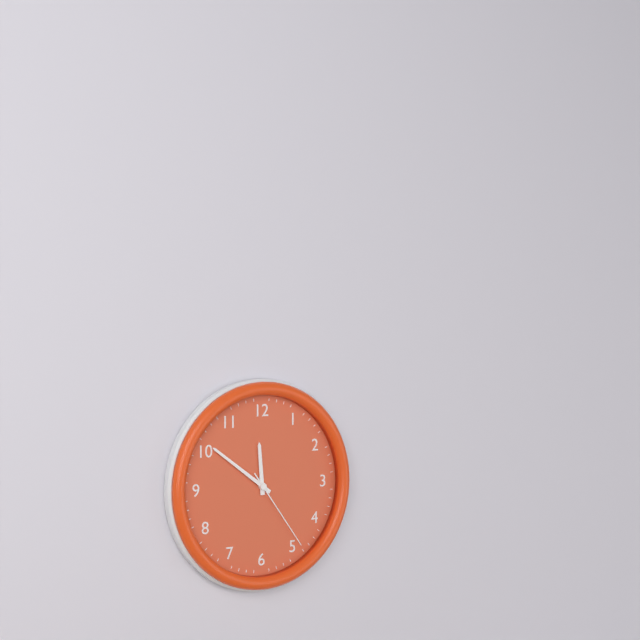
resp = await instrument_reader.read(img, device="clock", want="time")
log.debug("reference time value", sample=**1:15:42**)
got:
**11:51:24**
